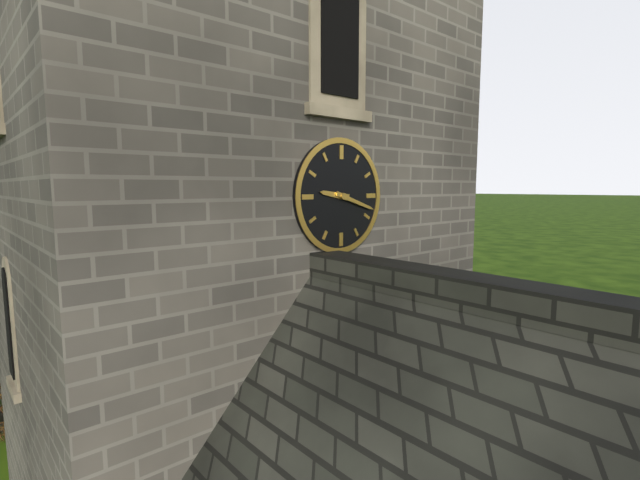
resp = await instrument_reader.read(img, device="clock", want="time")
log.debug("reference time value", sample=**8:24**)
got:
**9:18**
